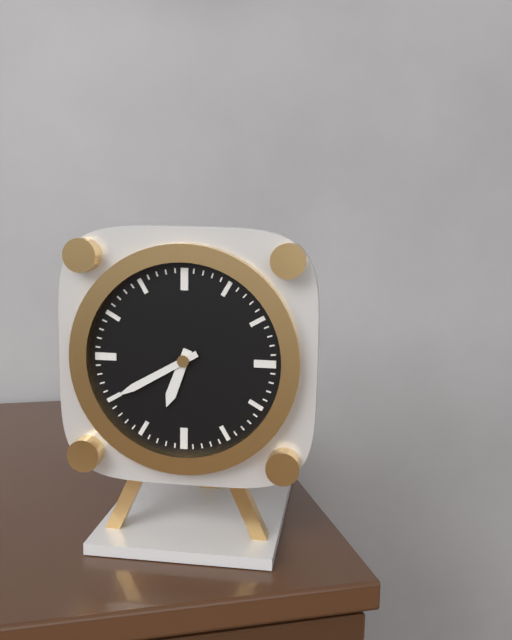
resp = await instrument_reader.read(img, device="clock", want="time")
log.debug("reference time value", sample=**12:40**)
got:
**6:40**
